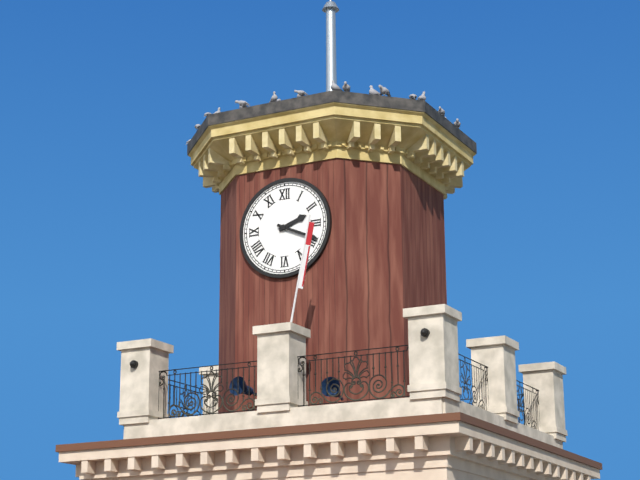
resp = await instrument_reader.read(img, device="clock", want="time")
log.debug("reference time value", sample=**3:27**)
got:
**2:19**
